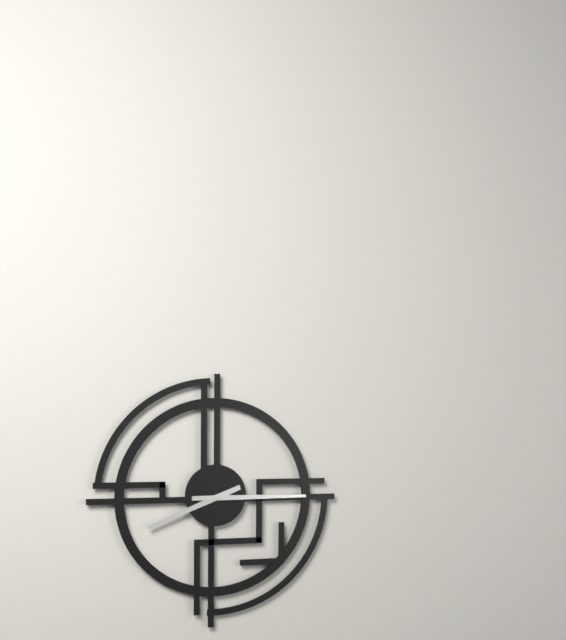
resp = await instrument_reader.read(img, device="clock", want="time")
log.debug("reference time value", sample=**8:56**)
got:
**8:15**
